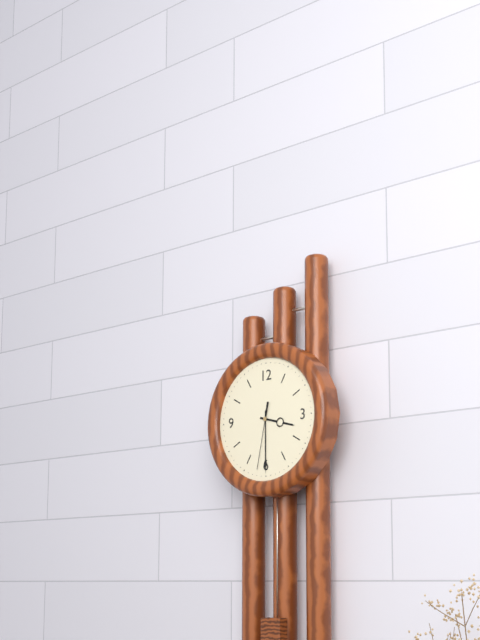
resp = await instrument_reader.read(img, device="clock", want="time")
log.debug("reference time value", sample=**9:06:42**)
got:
**3:30:32**
